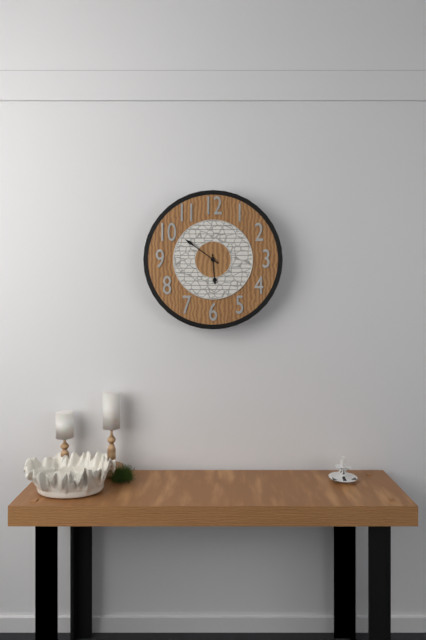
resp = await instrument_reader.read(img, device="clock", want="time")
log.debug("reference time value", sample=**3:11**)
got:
**5:51**
